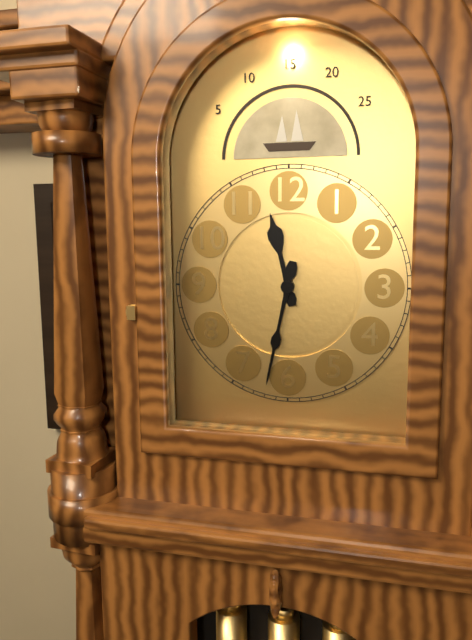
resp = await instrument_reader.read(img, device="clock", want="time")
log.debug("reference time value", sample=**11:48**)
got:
**11:32**
